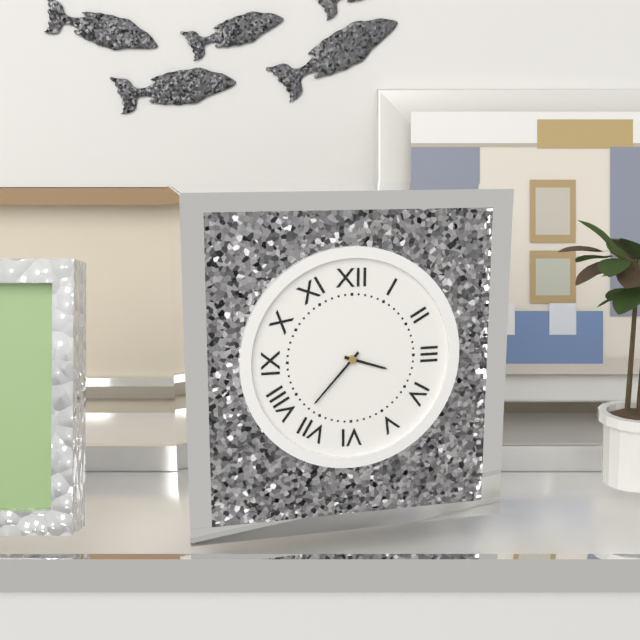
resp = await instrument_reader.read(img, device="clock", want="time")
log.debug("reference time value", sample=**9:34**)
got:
**3:37**
